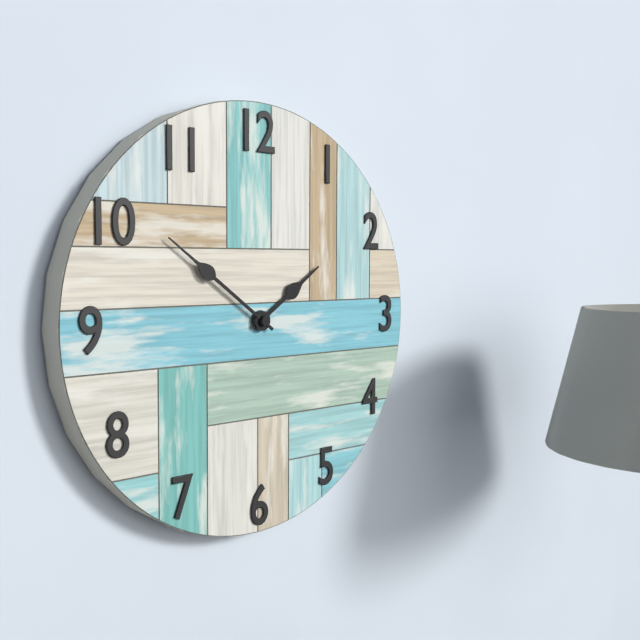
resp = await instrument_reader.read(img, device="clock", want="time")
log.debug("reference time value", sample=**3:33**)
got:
**1:51**
